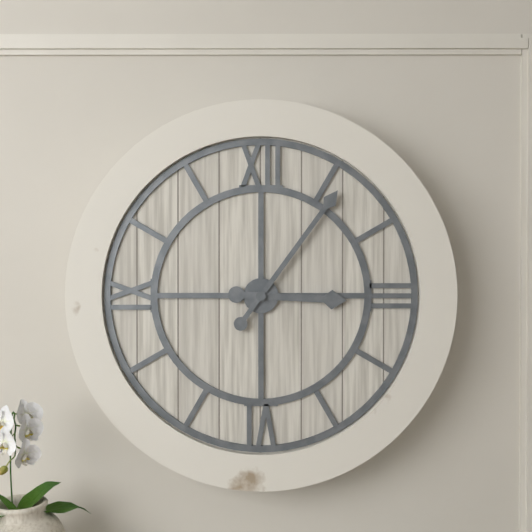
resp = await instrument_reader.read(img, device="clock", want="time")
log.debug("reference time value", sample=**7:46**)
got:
**3:06**
